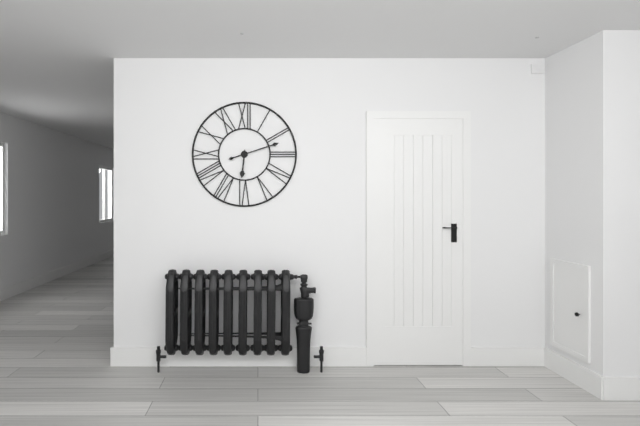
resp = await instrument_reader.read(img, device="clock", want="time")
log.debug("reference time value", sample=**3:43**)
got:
**6:12**
